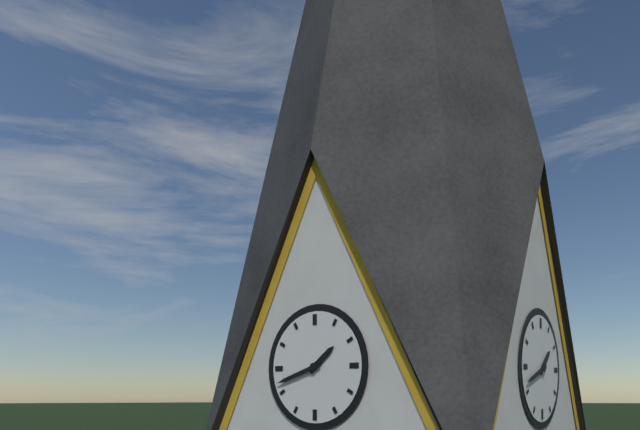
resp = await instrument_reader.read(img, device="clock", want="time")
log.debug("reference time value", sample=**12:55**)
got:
**1:42**
